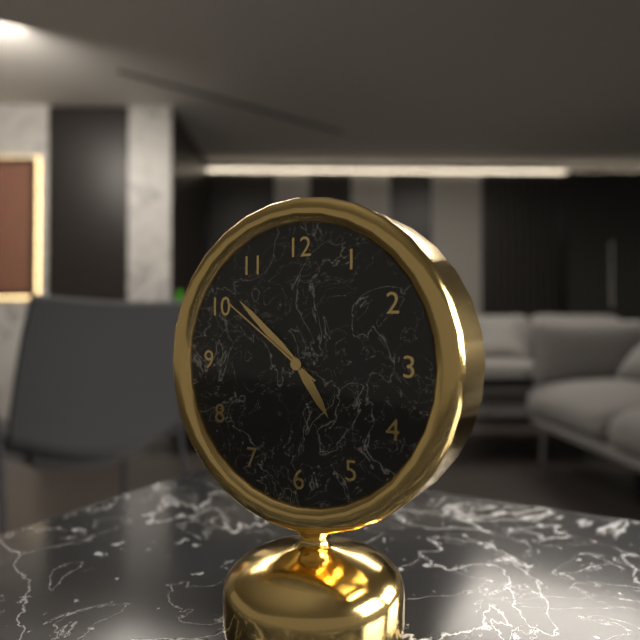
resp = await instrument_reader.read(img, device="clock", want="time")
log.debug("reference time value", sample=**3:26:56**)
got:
**4:52:51**
